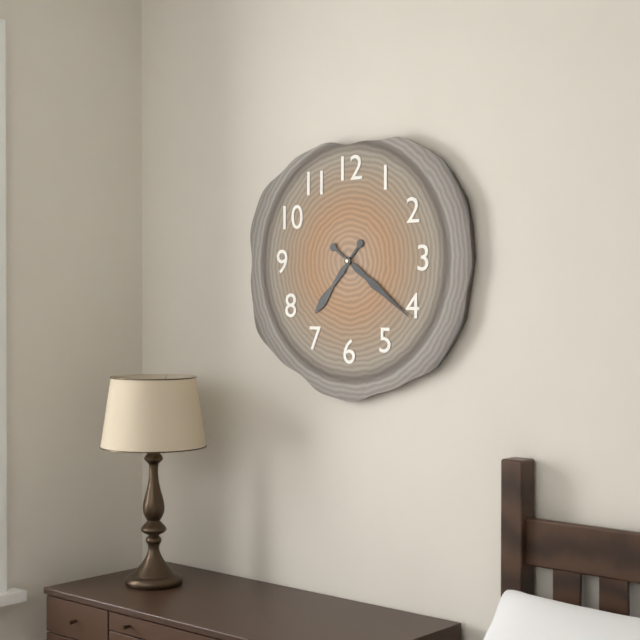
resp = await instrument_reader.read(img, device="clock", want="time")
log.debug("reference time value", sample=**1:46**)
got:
**7:21**
